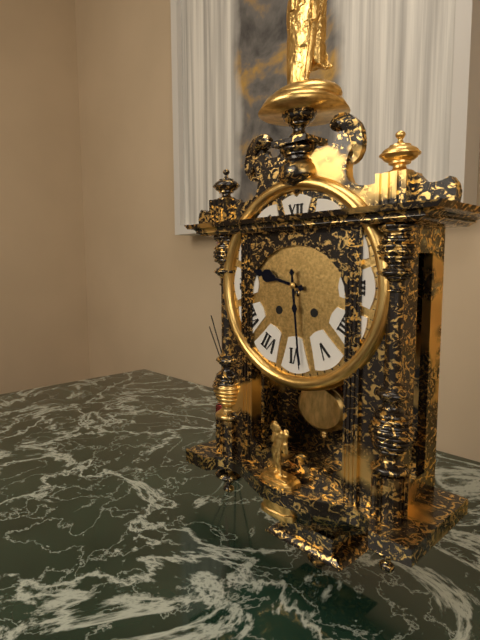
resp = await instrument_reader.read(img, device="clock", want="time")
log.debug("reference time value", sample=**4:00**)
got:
**9:29**
